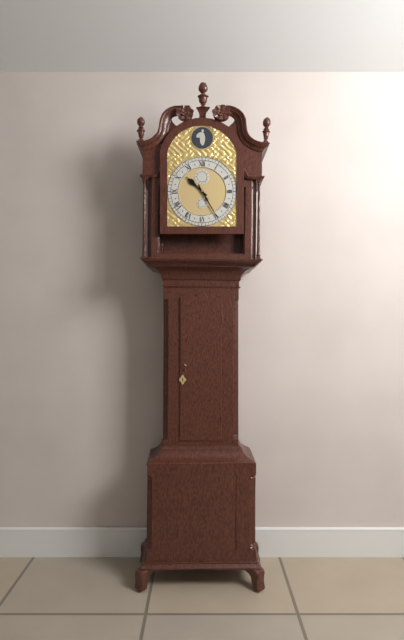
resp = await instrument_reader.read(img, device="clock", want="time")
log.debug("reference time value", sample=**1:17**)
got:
**10:25**
